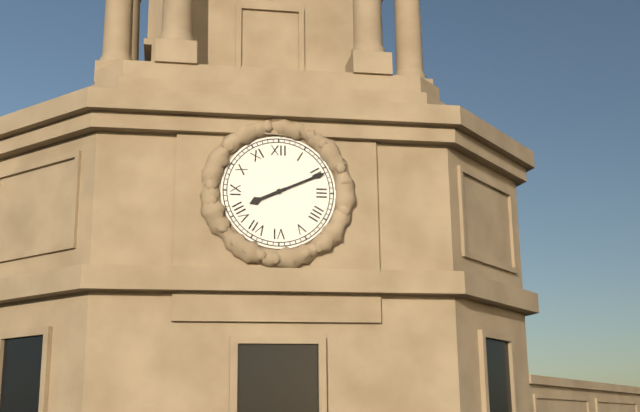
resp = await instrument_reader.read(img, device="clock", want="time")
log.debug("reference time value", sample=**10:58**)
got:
**8:11**
